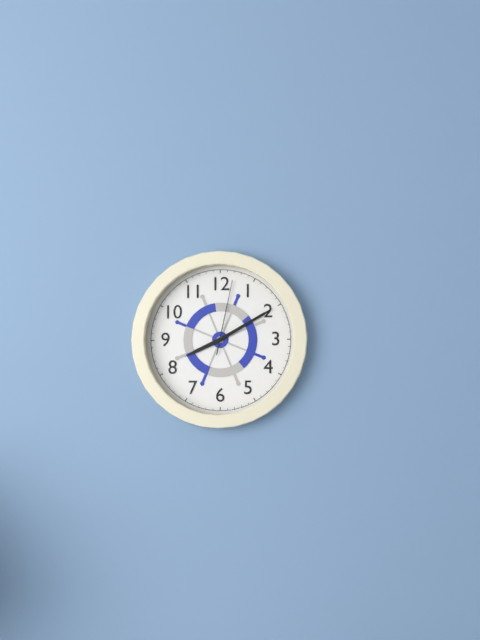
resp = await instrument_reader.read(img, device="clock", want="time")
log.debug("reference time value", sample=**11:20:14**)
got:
**8:10:02**
